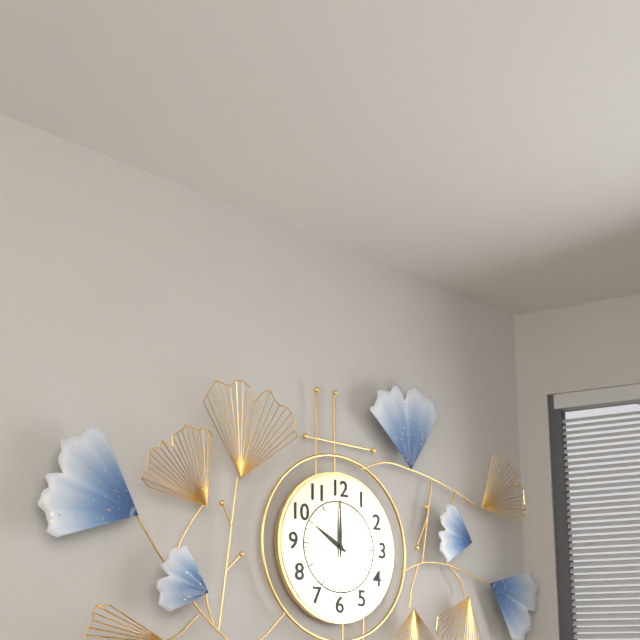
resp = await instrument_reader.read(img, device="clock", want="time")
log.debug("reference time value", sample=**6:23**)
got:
**10:00**
